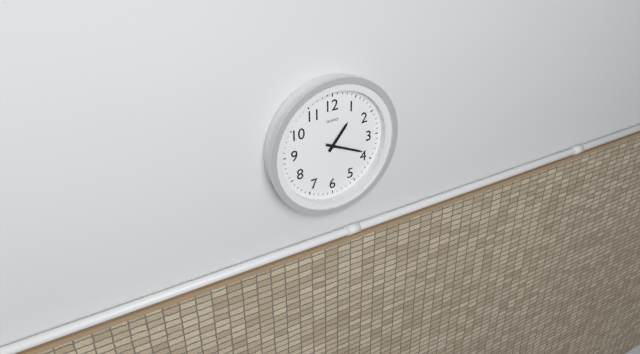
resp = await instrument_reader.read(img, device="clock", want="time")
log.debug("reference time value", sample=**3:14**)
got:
**1:19**
